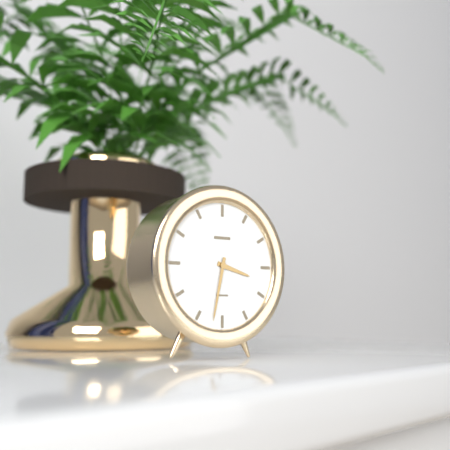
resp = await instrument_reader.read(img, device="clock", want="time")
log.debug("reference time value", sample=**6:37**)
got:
**3:32**
